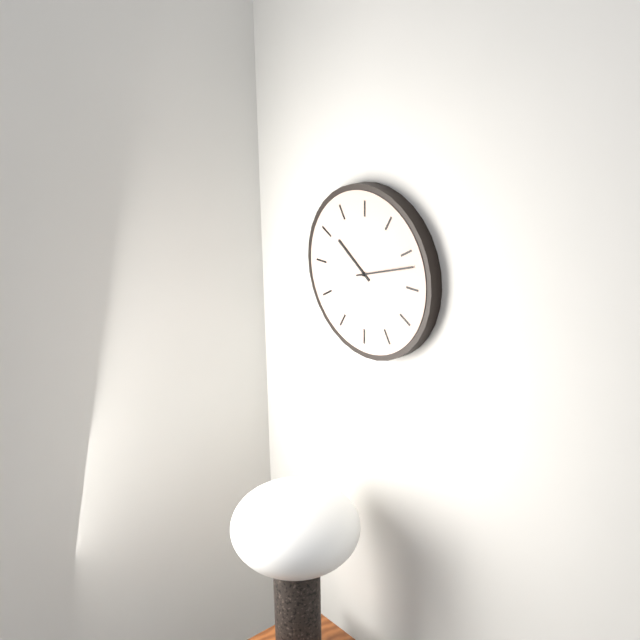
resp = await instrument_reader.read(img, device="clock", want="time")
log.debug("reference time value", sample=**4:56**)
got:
**10:12**
